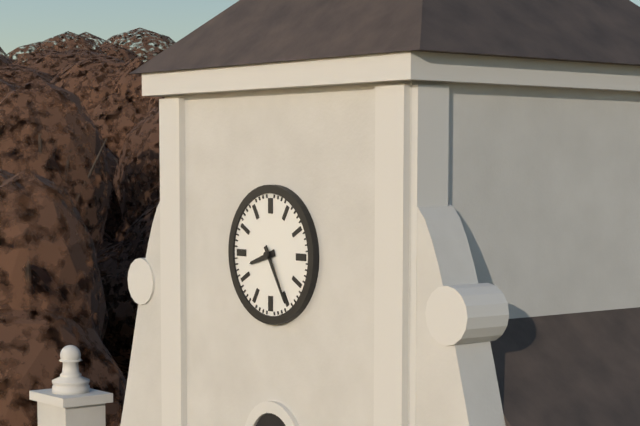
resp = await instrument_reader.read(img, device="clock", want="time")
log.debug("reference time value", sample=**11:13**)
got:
**8:25**
